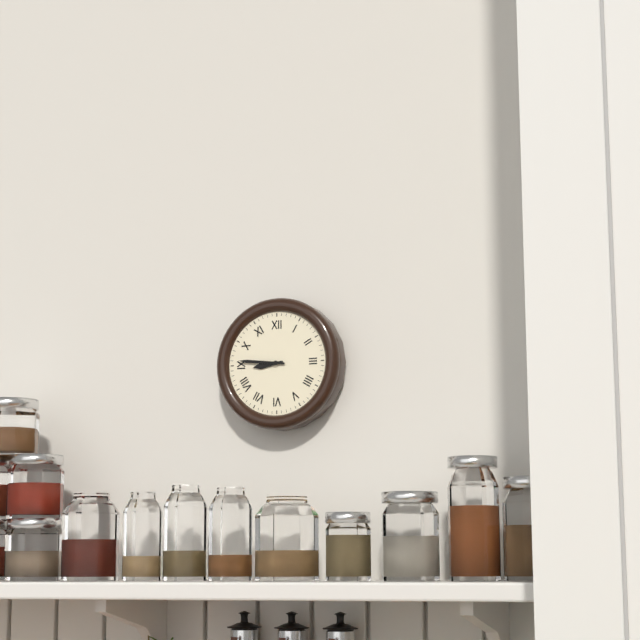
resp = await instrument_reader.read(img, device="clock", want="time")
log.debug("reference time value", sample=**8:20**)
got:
**8:46**
